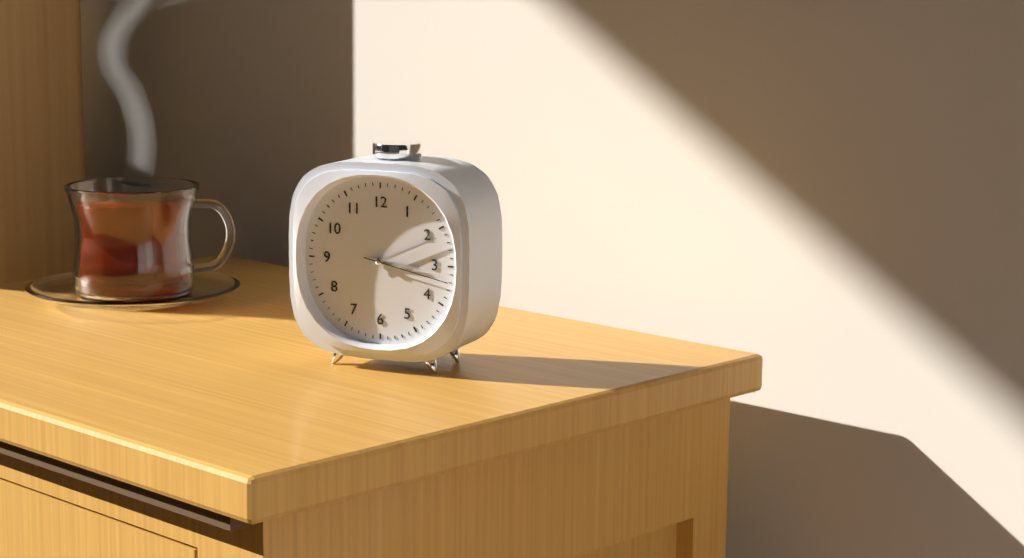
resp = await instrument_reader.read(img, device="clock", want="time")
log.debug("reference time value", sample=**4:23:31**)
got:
**3:11:17**
